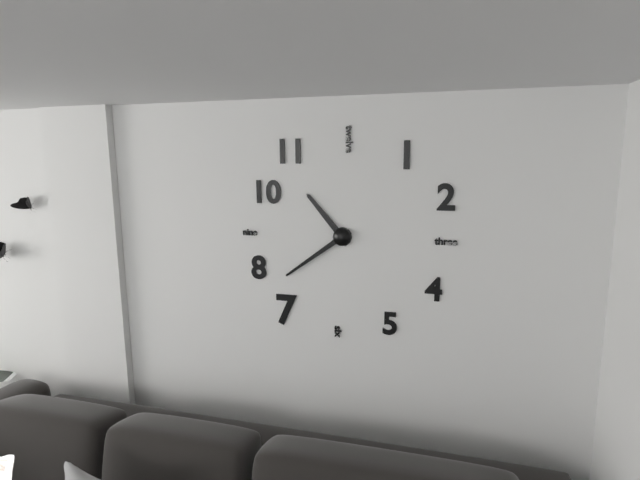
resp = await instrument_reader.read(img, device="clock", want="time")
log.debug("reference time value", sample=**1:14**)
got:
**10:39**
